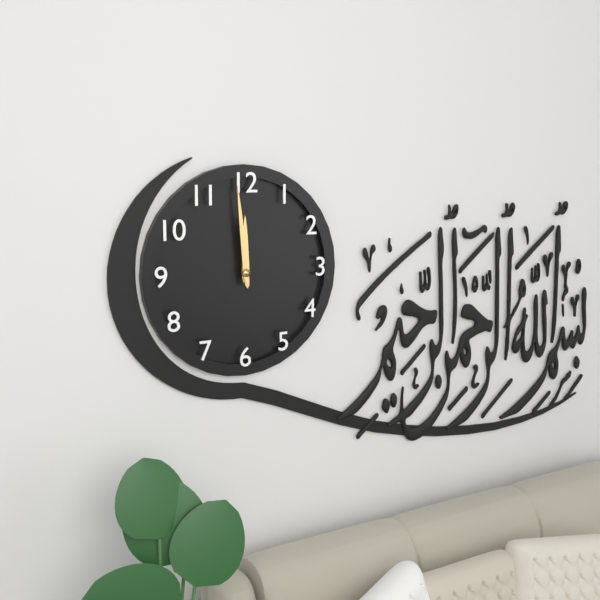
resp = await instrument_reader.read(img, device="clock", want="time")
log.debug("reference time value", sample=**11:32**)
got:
**11:59**
